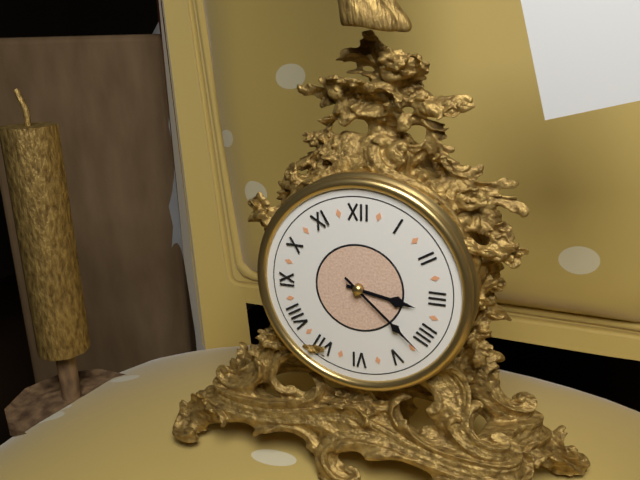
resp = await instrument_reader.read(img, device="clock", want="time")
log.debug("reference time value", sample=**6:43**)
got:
**3:22**
